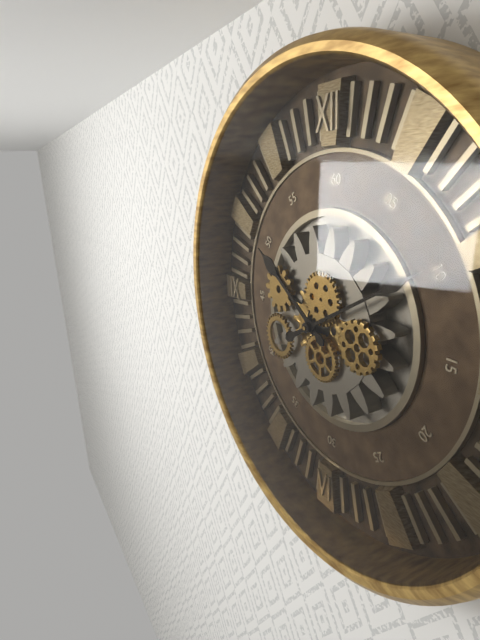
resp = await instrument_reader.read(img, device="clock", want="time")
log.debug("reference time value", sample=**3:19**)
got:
**10:10**
